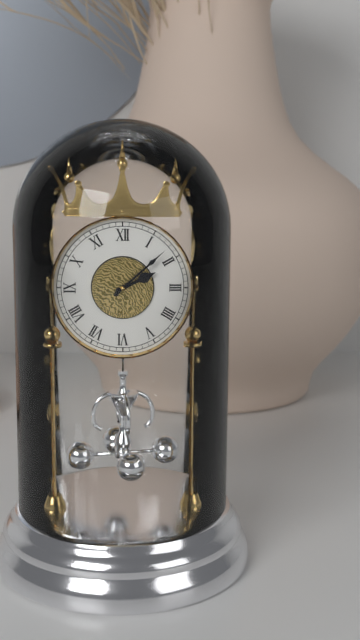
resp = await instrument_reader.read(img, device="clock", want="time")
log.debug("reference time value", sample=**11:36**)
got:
**2:08**
